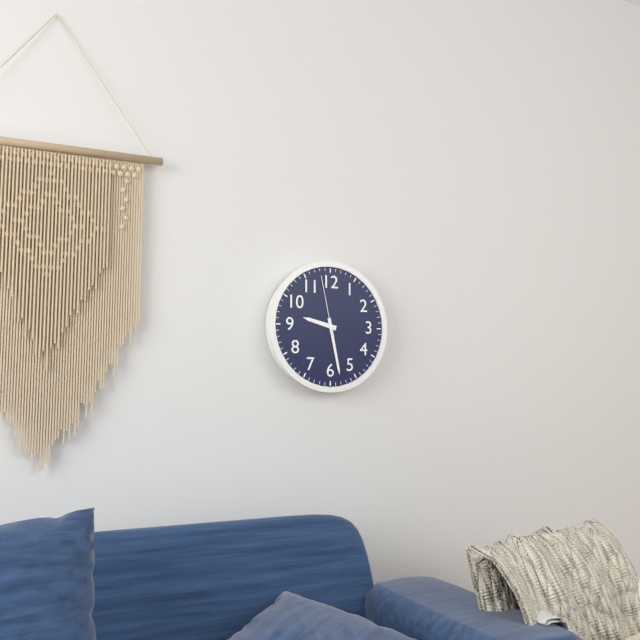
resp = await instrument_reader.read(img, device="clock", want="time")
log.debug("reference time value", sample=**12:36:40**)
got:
**9:28:58**
